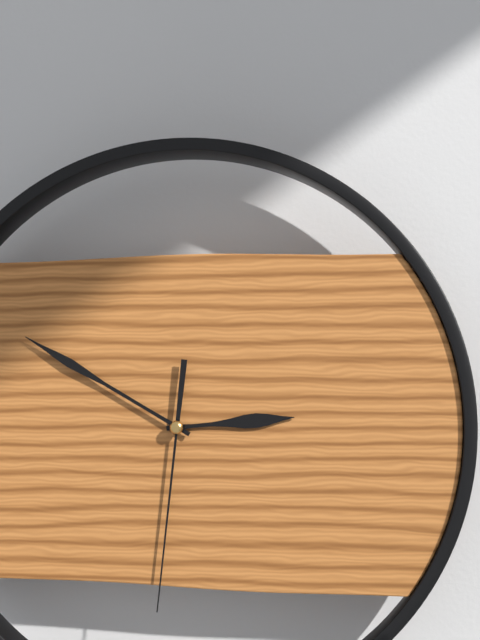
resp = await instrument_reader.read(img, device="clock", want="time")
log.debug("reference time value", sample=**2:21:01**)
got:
**2:50:31**
